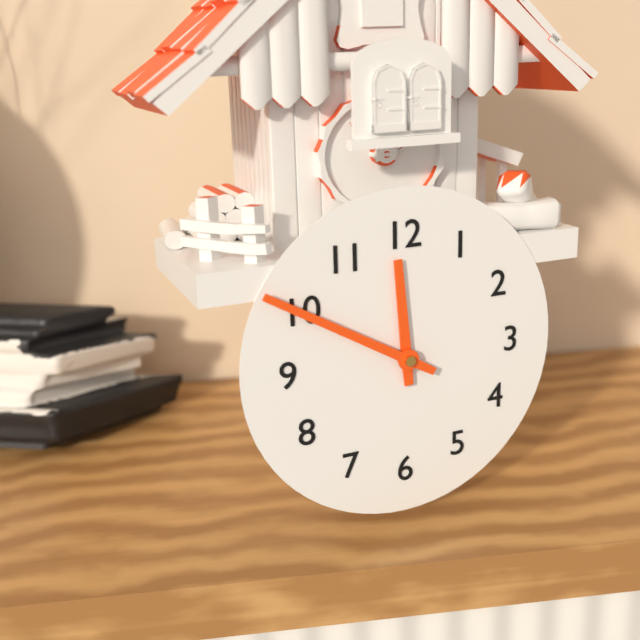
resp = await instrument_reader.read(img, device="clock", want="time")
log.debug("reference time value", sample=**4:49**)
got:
**11:50**
